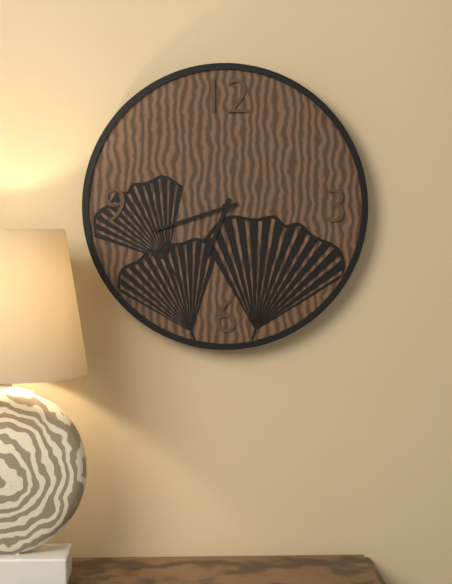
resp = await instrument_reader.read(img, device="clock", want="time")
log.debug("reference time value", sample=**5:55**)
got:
**6:42**
